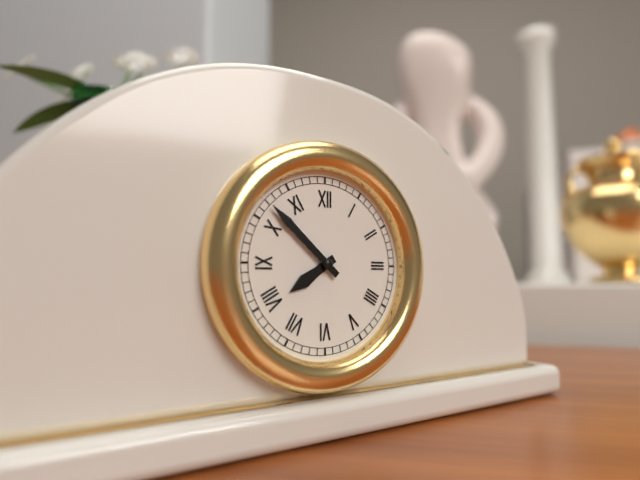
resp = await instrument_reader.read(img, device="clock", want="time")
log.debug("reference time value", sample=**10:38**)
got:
**7:52**
